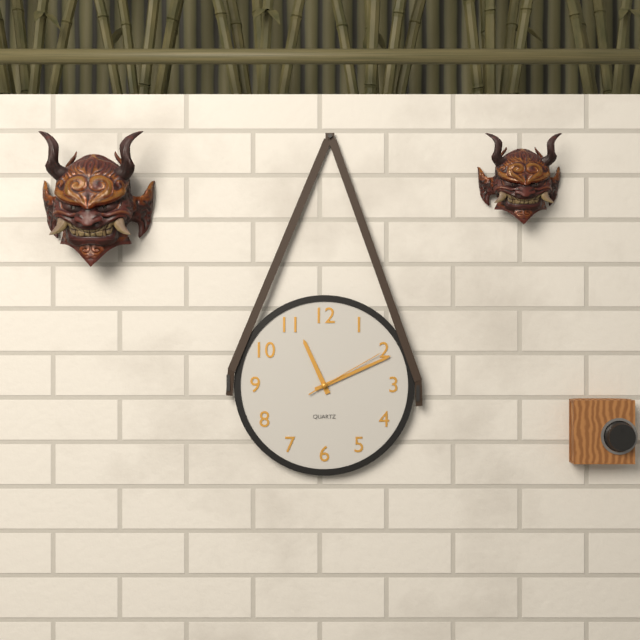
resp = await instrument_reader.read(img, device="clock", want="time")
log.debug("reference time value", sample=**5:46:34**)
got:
**11:11:10**
